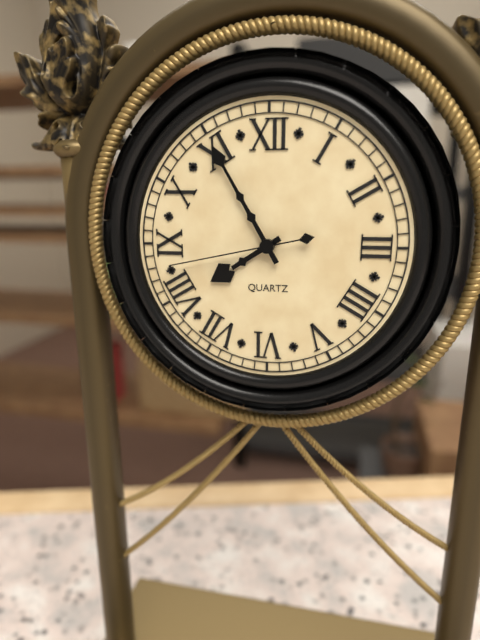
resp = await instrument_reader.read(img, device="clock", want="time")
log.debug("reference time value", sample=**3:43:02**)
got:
**7:55:43**
